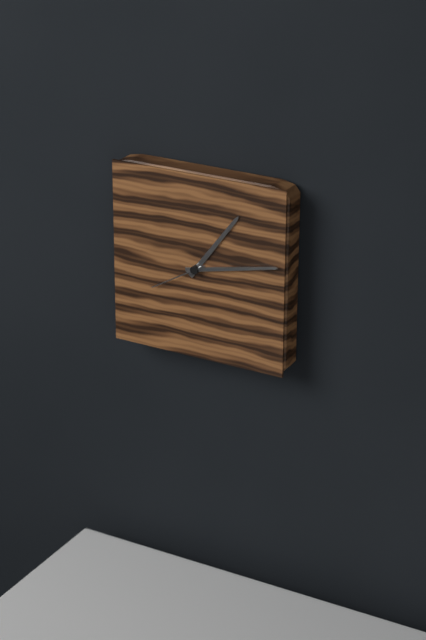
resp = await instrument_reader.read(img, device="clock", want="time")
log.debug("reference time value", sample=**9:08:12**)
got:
**1:13:40**
